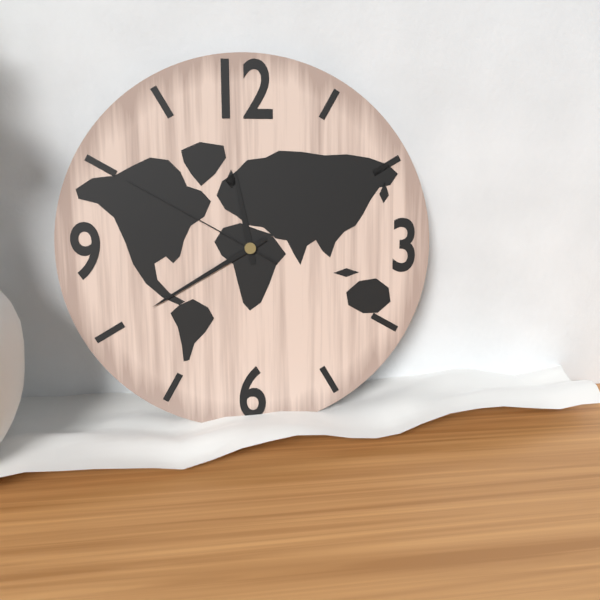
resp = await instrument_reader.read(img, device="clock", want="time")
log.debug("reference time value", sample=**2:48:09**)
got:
**11:40:50**
